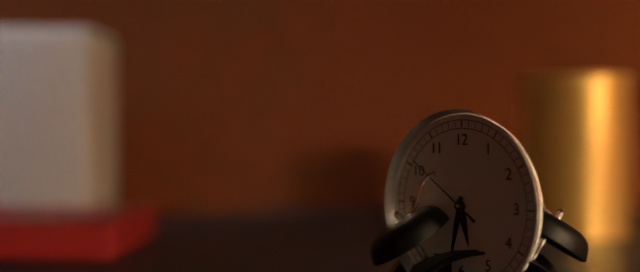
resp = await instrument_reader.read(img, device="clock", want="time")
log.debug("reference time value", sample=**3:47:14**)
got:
**5:32:51**
